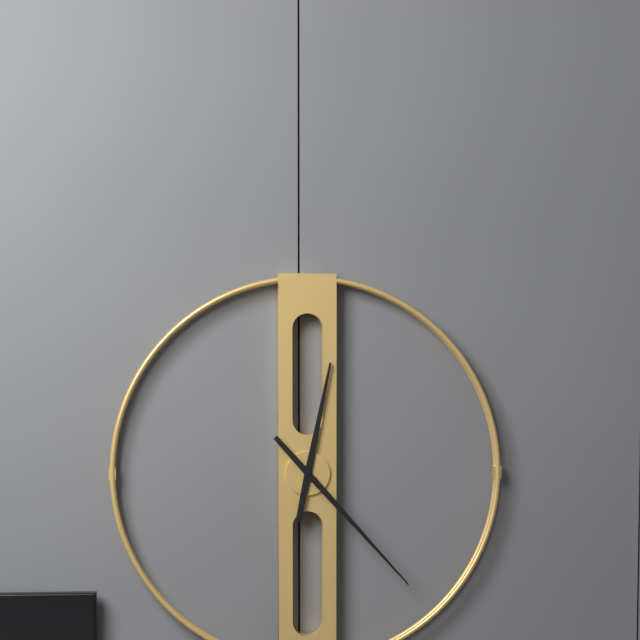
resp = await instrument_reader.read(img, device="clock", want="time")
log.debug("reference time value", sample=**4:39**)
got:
**12:23**
